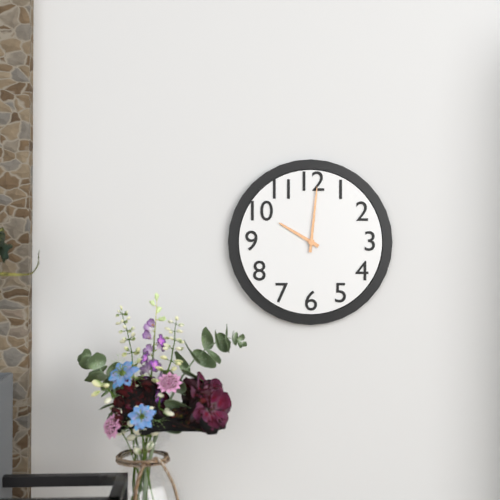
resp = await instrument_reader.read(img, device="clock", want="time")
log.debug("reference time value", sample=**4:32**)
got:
**10:01**
